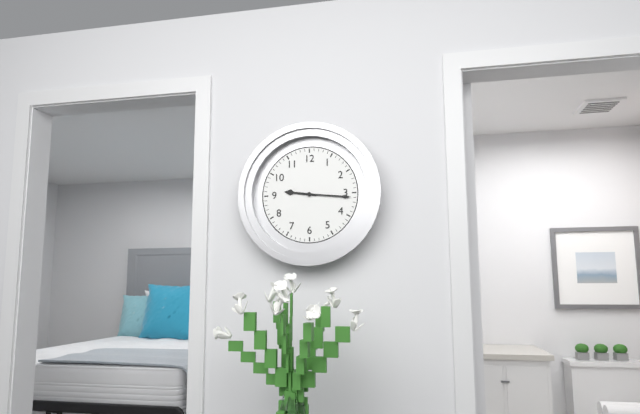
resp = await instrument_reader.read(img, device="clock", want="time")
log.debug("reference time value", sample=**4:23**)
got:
**9:16**
